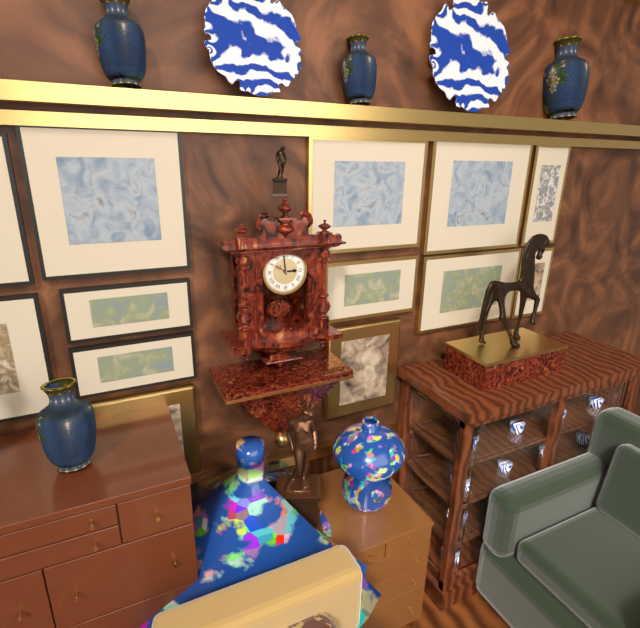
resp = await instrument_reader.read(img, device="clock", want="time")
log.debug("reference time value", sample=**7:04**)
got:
**2:59**
